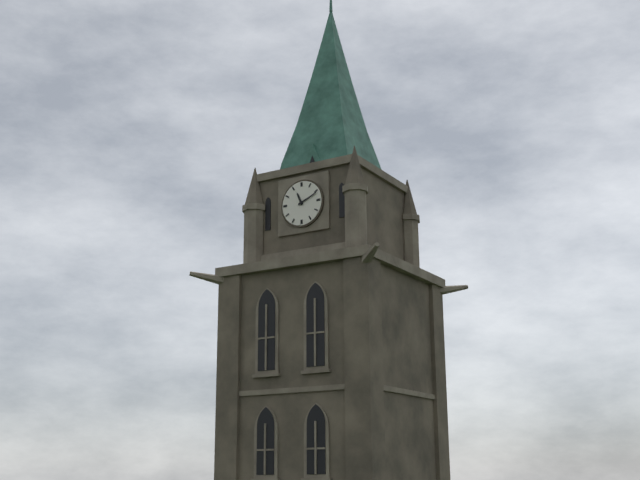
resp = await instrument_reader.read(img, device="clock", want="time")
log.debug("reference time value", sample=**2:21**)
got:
**11:11**
